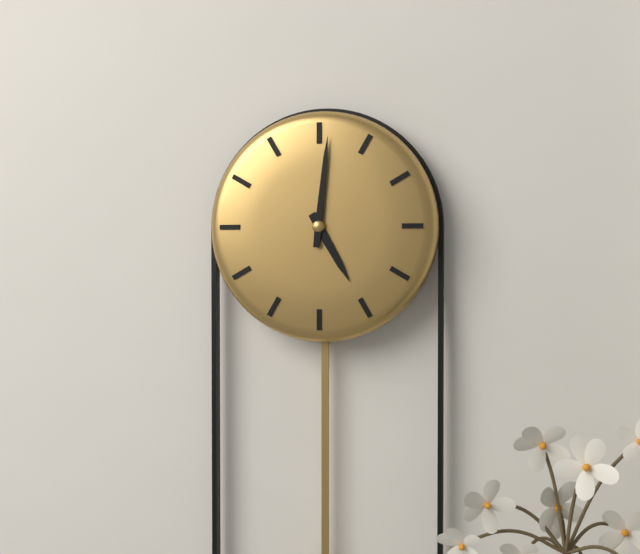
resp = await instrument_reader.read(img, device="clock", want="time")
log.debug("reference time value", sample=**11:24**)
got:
**5:01**
